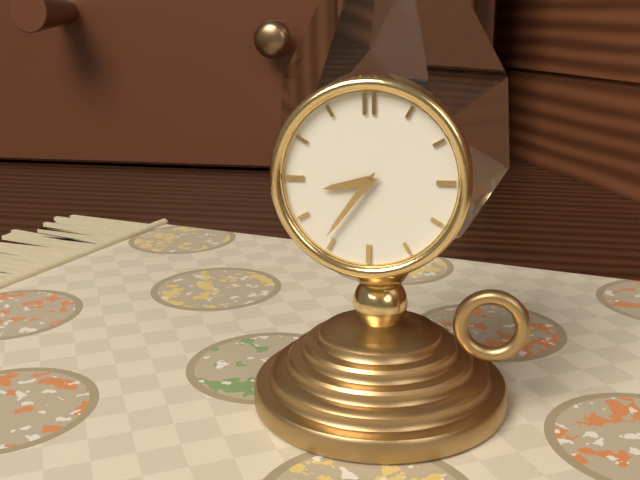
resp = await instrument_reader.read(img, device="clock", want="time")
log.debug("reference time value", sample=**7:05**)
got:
**8:36**
